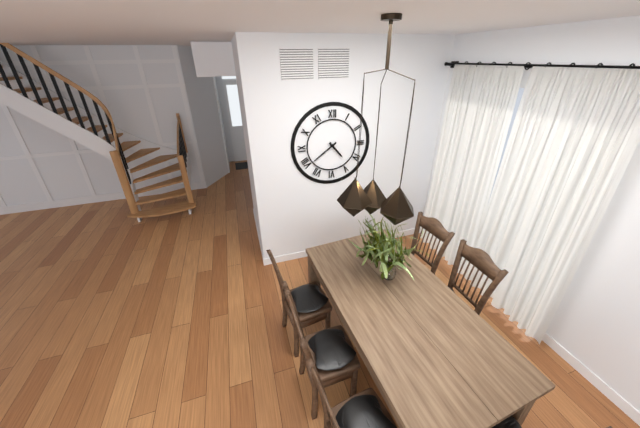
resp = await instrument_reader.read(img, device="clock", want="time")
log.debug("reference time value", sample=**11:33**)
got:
**4:39**
